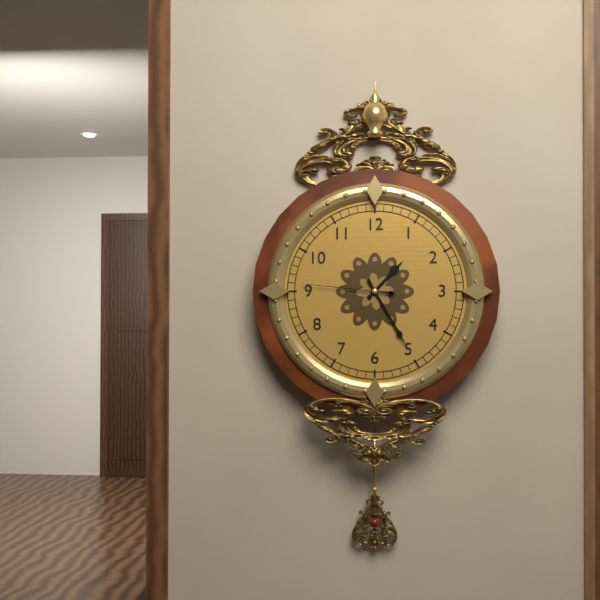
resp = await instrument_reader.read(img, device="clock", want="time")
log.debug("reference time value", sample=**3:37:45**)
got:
**1:25:46**
